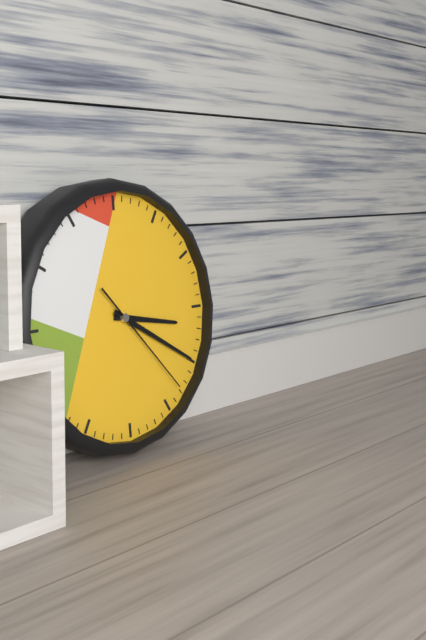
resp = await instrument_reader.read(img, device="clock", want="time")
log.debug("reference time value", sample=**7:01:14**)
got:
**3:20:23**
